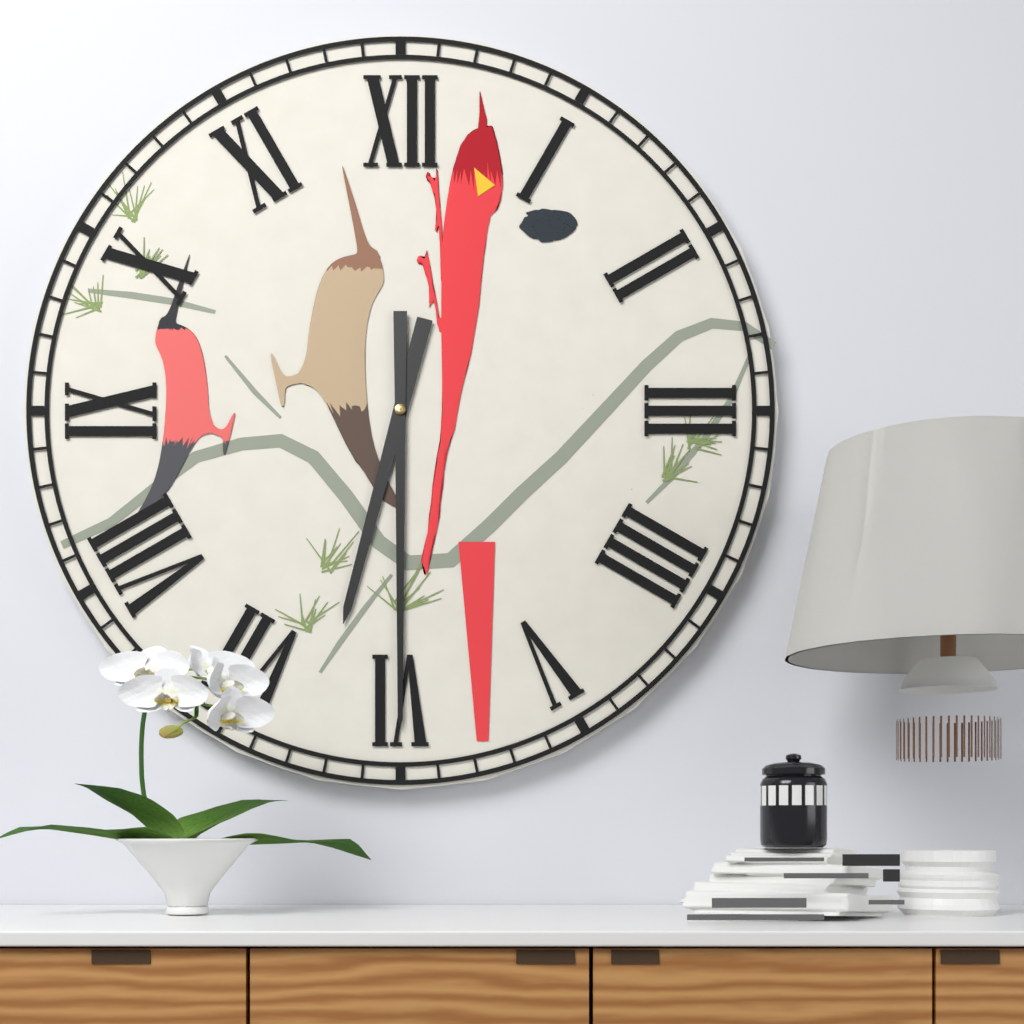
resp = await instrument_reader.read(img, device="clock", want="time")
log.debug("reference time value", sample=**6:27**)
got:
**6:30**
